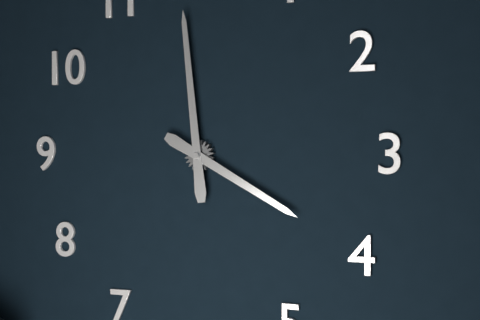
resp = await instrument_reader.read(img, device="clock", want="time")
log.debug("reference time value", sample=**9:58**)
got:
**3:59**
